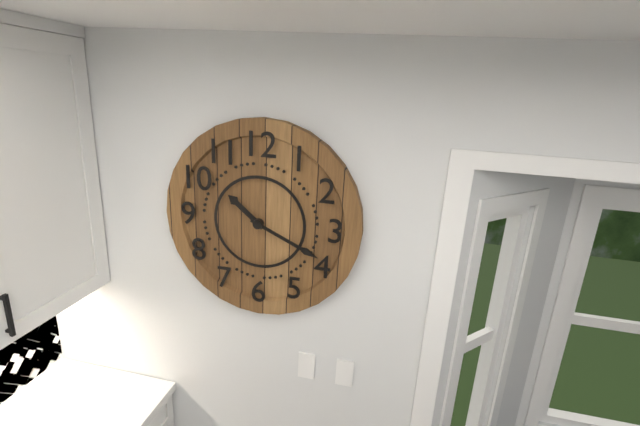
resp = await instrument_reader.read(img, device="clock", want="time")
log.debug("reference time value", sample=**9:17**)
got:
**10:19**
